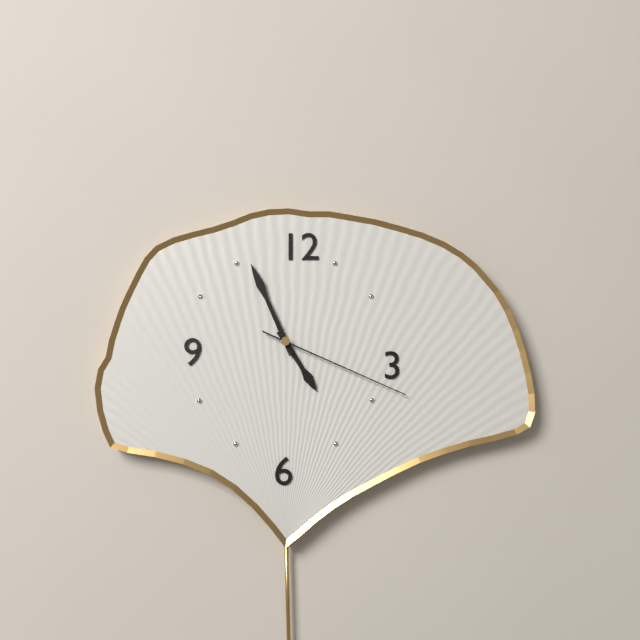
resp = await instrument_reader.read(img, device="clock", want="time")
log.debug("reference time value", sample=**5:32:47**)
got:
**4:56:19**
